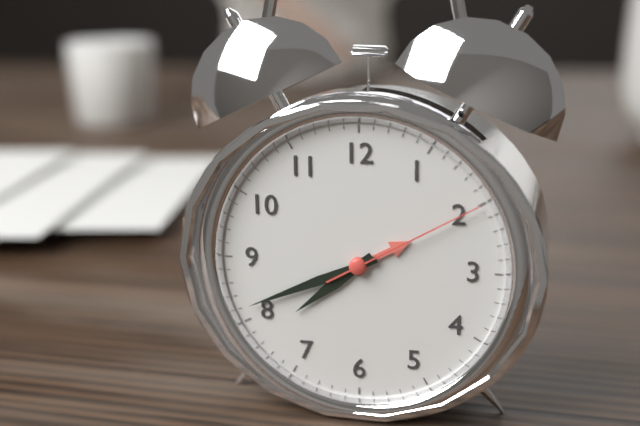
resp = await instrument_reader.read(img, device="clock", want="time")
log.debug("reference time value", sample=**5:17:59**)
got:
**7:41:10**
